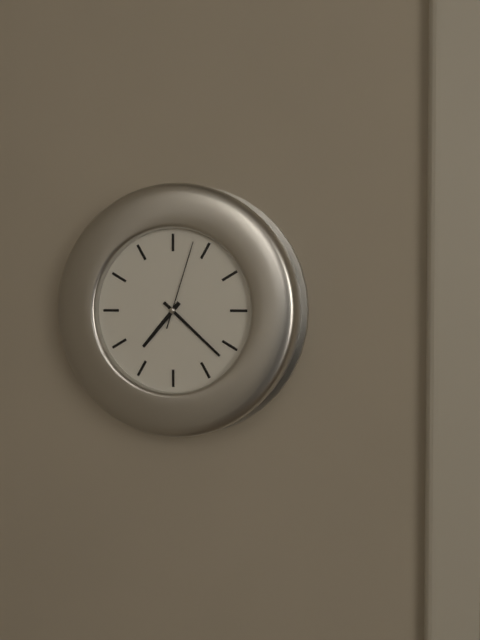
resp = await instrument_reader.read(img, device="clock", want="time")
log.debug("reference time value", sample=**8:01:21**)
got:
**7:22:03**
